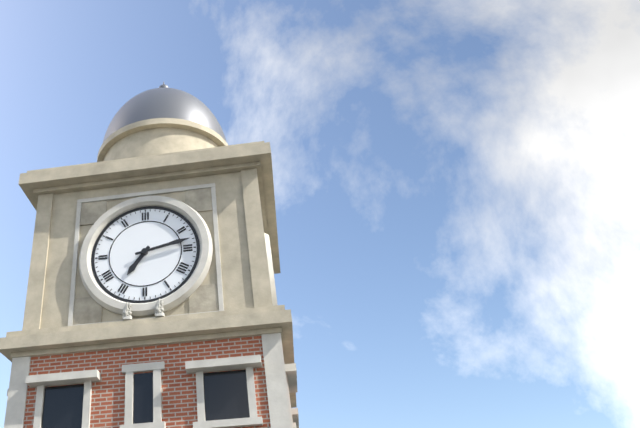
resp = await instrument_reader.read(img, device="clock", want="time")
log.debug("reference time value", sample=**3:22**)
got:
**7:13**
